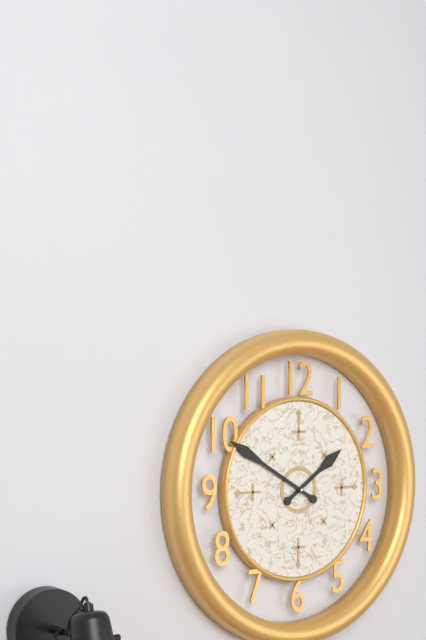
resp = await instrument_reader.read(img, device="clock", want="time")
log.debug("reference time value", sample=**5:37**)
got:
**1:50**
